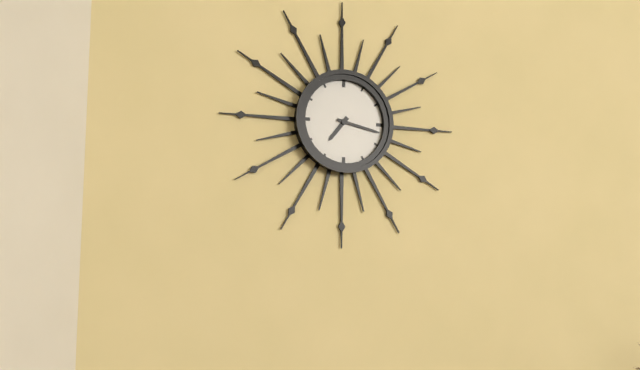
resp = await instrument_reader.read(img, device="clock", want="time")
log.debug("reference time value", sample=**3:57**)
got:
**7:17**
